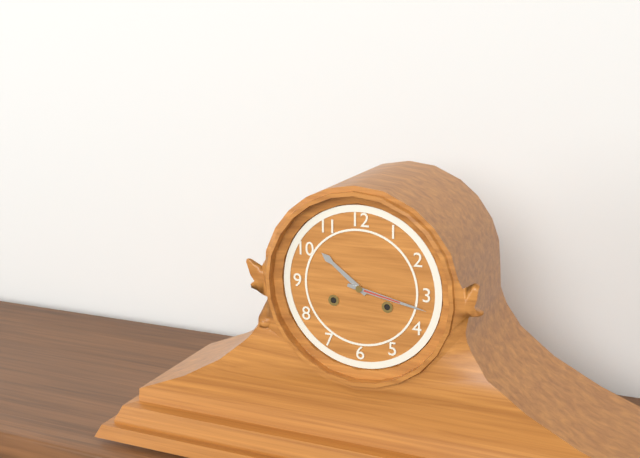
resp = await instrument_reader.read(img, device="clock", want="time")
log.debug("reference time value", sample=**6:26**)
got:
**10:17**
